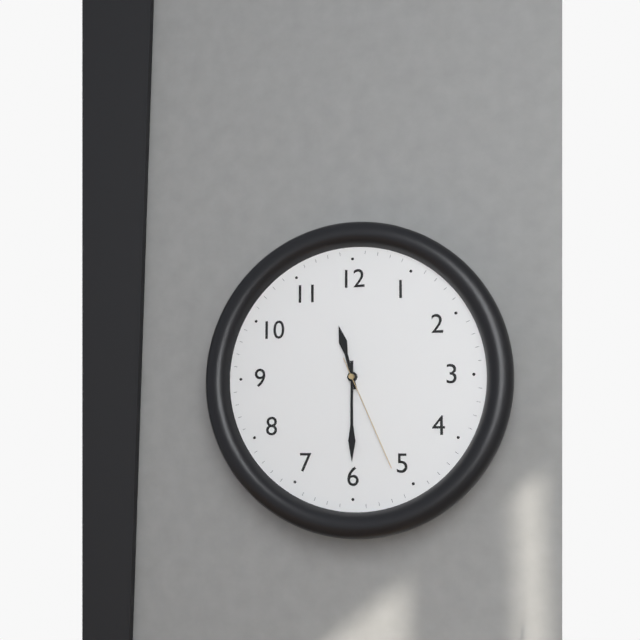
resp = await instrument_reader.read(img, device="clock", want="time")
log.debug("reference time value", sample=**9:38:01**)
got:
**11:30:26**
